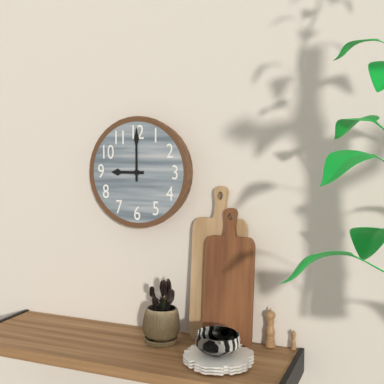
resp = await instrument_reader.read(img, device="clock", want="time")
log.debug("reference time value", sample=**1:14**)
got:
**9:00**
